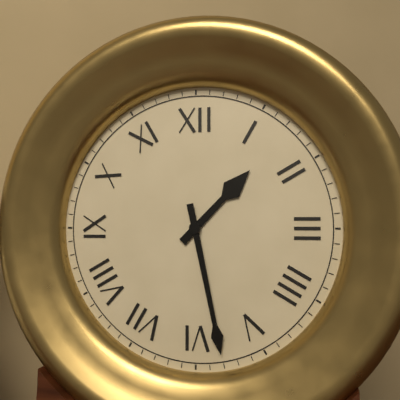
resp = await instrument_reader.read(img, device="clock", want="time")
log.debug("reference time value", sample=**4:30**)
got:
**1:28**
